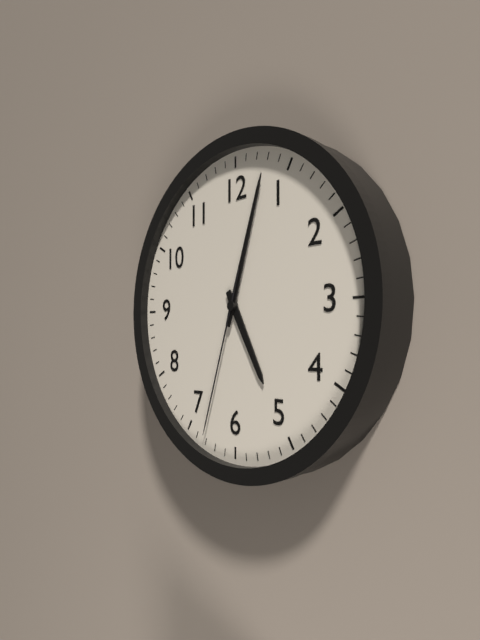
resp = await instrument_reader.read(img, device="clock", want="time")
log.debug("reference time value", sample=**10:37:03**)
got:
**5:03:33**
